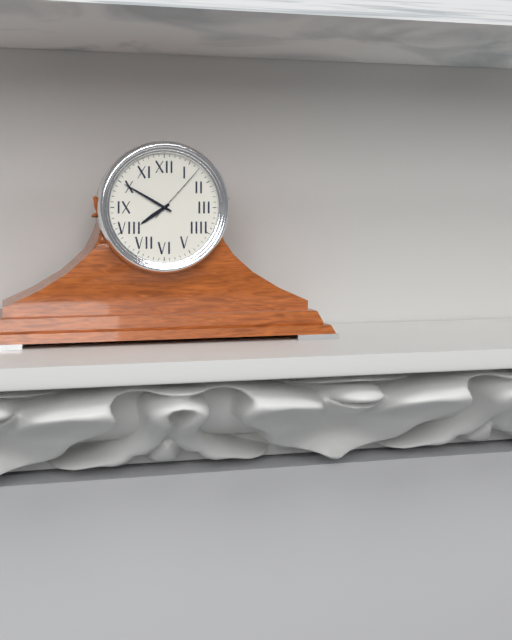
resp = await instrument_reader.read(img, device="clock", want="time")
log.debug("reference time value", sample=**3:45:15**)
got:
**7:50:07**
